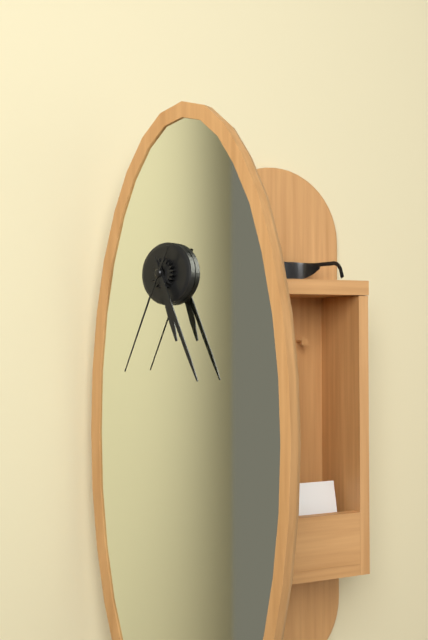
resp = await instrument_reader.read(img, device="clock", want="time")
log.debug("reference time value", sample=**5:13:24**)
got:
**5:26:34**
